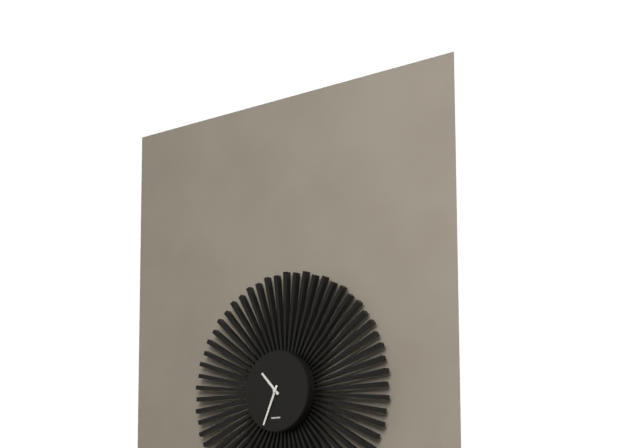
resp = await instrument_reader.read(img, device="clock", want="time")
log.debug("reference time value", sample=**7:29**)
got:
**10:34**
